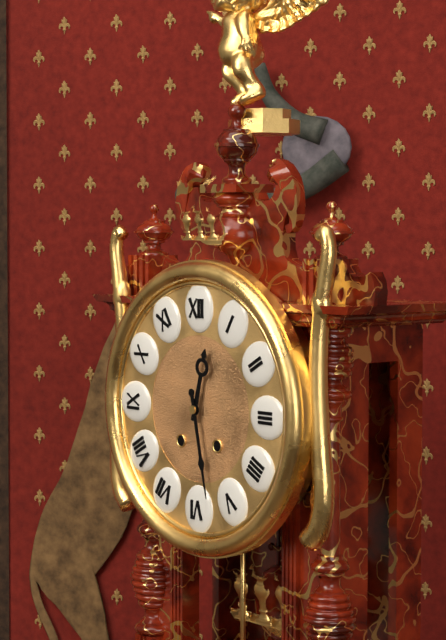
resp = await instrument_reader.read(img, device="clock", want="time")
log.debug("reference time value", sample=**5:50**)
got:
**12:28**
